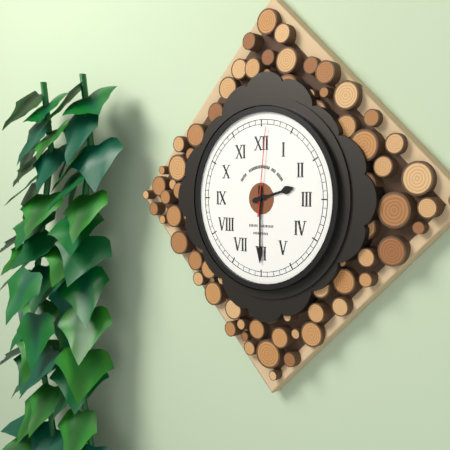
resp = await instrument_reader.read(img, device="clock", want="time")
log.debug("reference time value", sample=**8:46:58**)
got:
**2:30:01**
